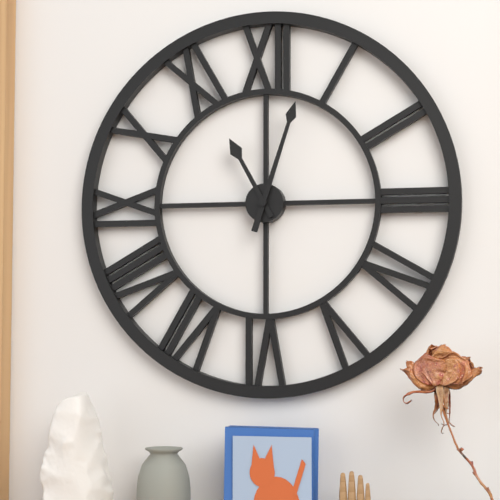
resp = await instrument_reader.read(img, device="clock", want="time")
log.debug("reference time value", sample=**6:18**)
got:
**11:03**
